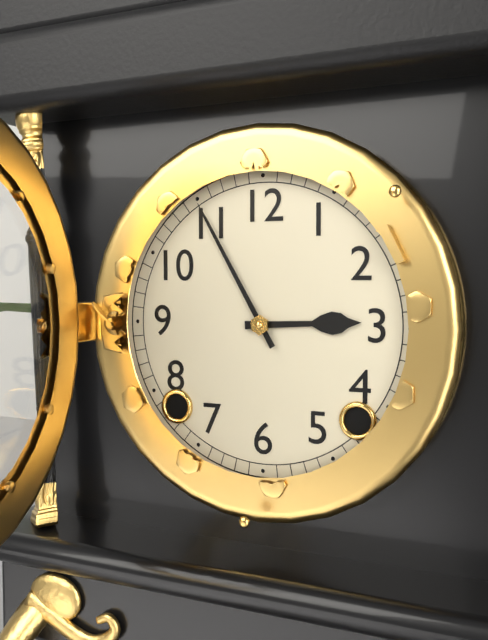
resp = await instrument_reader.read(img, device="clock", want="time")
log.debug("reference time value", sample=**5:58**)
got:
**2:55**
